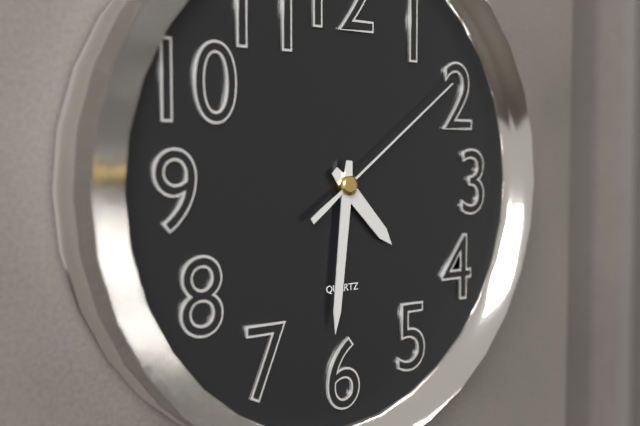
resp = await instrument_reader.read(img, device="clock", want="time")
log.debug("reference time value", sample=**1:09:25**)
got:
**4:31:09**
